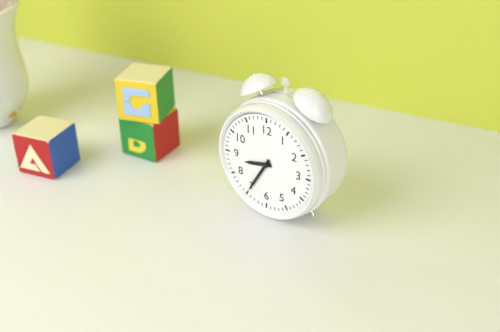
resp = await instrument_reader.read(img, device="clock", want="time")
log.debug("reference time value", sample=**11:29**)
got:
**8:35**
